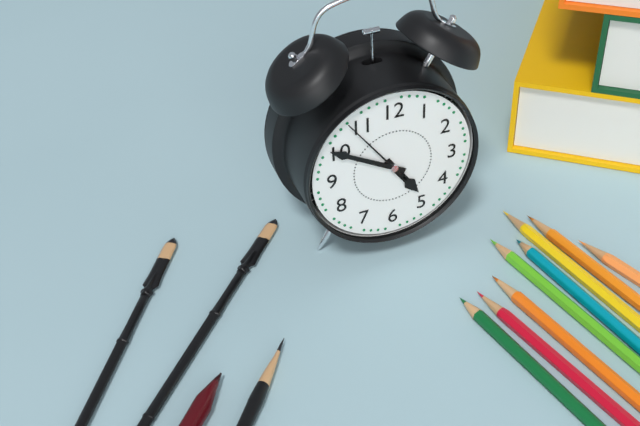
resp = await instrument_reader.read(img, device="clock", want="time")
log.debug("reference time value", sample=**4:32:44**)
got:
**4:50:54**
